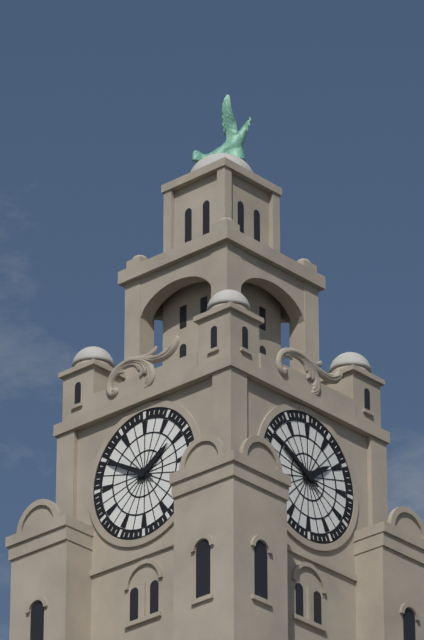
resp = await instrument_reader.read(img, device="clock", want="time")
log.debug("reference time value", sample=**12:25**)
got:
**1:50**
